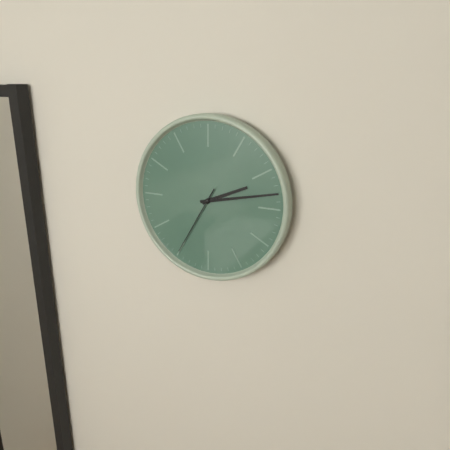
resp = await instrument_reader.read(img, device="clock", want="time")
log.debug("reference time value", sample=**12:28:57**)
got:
**2:13:35**
